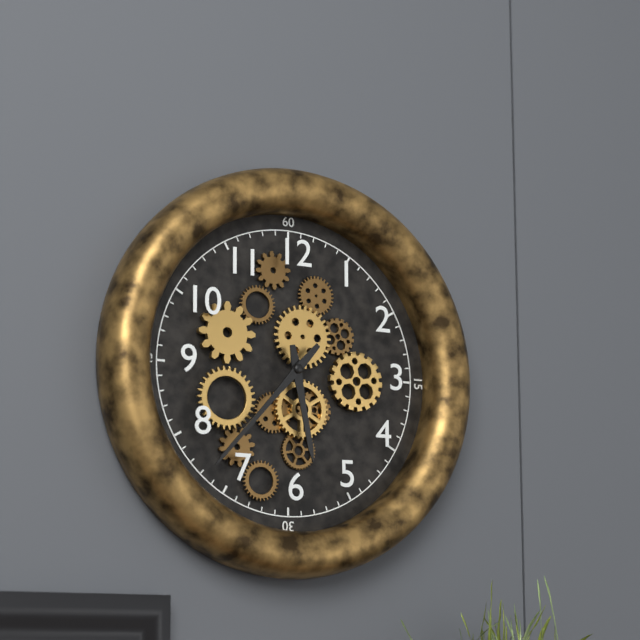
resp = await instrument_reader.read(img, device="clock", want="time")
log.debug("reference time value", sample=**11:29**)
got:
**5:37**
